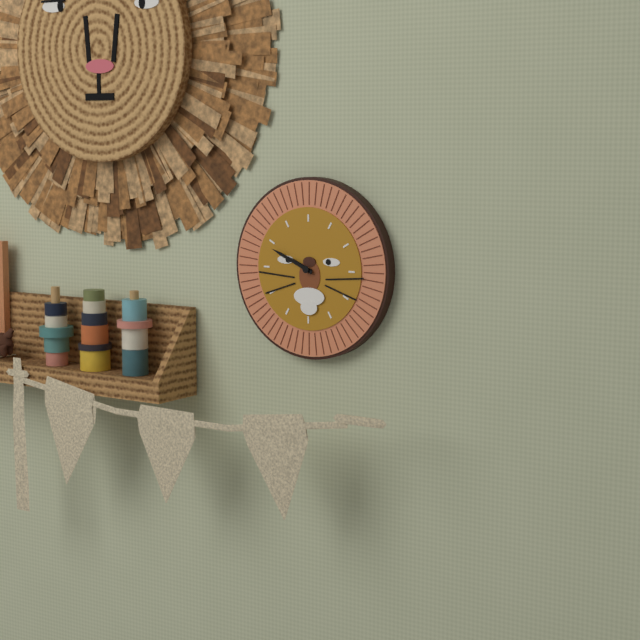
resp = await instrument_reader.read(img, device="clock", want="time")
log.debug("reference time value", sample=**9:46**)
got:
**9:49**
